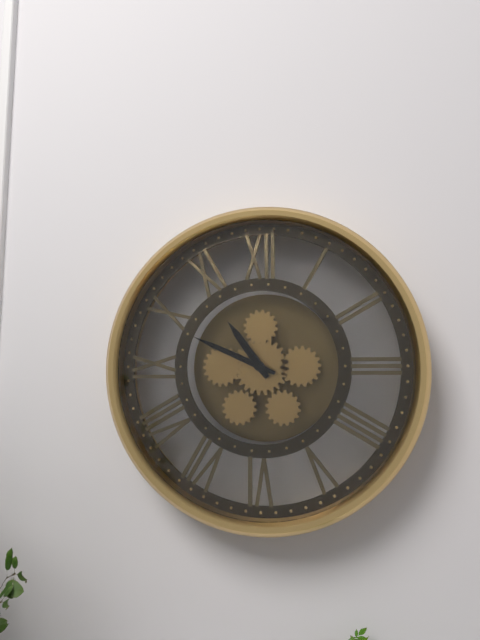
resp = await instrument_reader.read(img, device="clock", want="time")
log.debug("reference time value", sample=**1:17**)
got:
**10:49**
